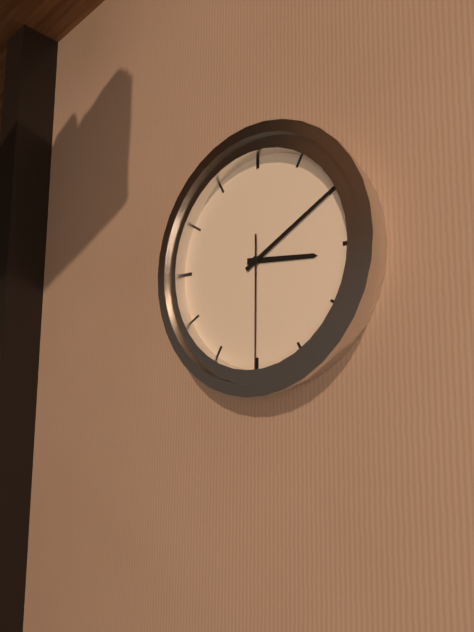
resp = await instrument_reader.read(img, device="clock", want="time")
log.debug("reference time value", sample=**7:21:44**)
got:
**3:10:30**
